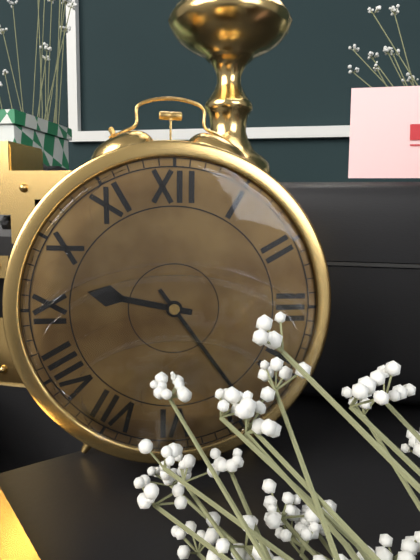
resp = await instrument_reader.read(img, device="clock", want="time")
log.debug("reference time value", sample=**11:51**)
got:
**9:24**
